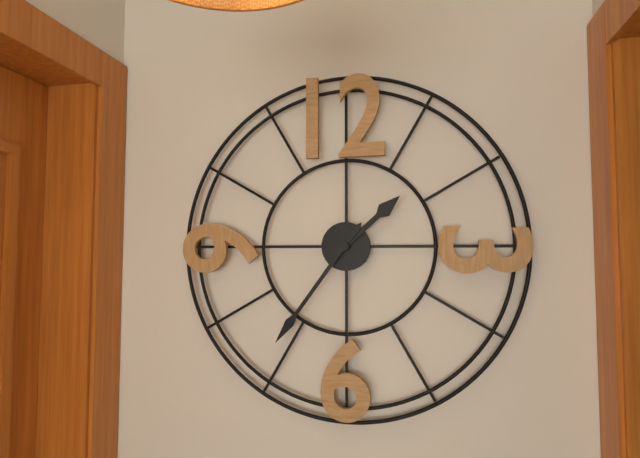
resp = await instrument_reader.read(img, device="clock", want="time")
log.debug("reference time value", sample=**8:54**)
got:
**1:36**
